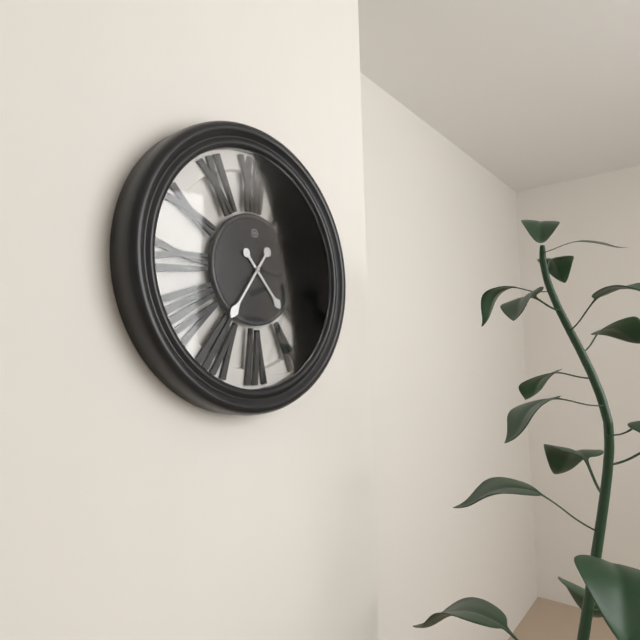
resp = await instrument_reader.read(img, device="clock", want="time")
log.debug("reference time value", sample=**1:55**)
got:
**4:36**
